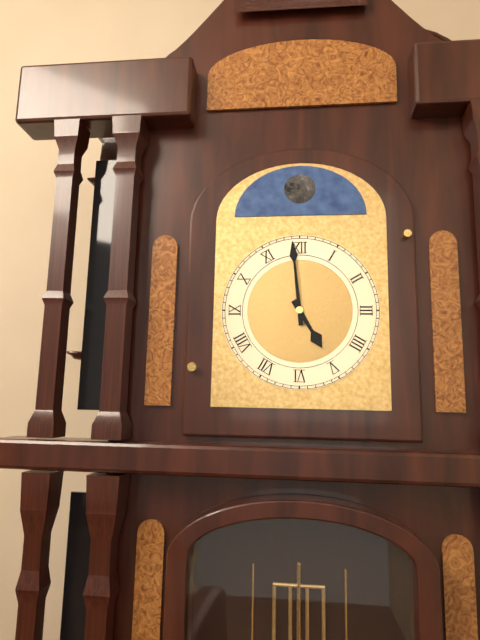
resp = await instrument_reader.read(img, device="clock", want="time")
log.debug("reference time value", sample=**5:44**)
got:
**4:59**
